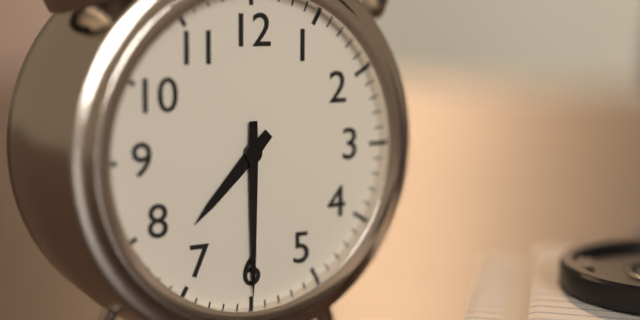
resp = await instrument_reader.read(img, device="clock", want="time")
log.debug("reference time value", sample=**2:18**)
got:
**7:30**
